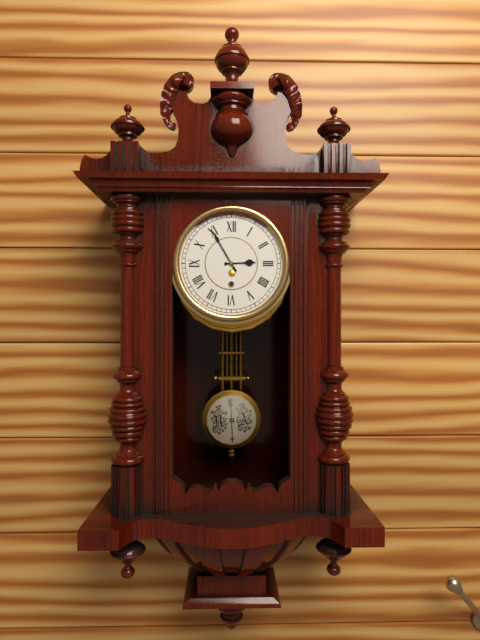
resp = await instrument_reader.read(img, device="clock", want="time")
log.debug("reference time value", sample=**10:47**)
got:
**2:55**
